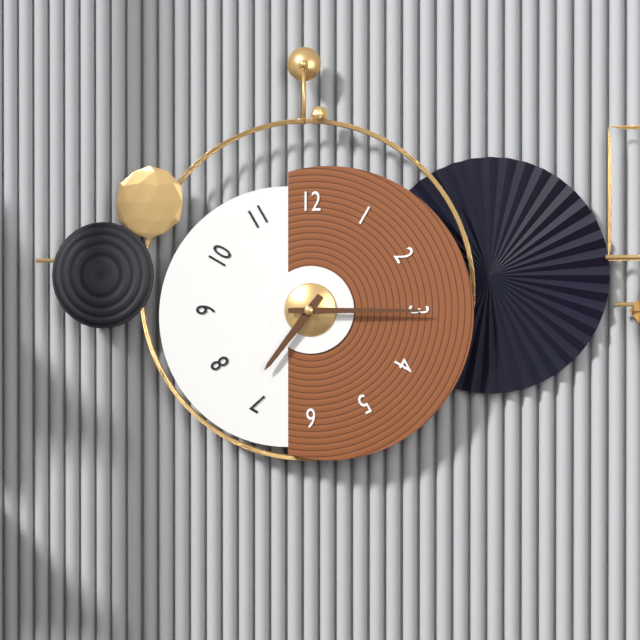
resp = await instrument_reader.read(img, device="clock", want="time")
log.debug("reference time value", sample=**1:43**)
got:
**7:15**
